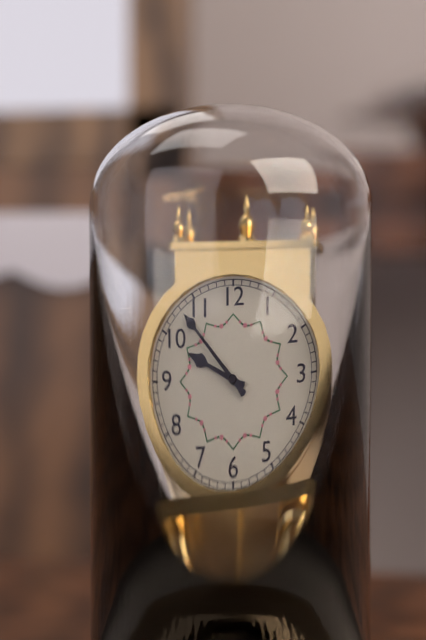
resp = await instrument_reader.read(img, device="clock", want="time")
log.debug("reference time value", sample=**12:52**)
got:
**9:53**
